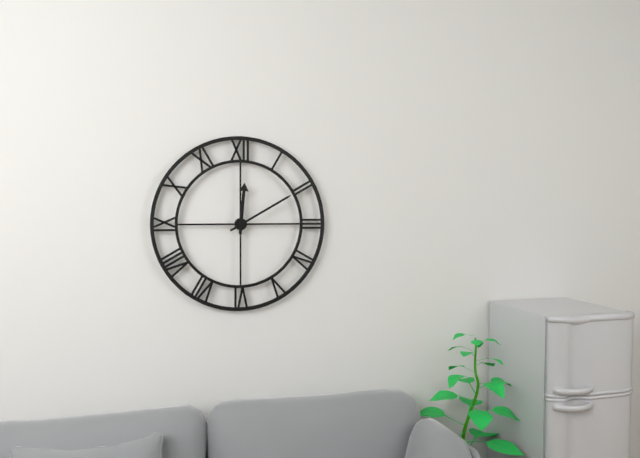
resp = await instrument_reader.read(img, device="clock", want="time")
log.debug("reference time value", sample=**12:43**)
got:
**12:10**
